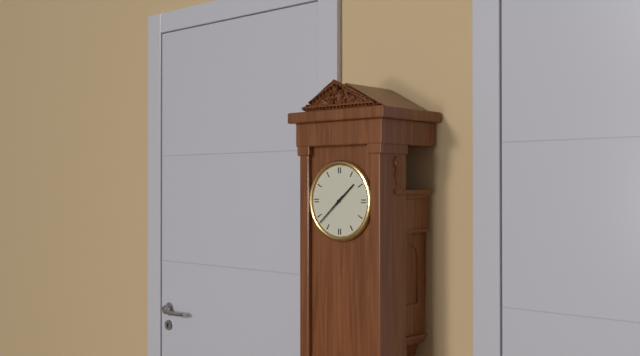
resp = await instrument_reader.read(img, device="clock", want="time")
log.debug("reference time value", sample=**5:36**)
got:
**1:38**
